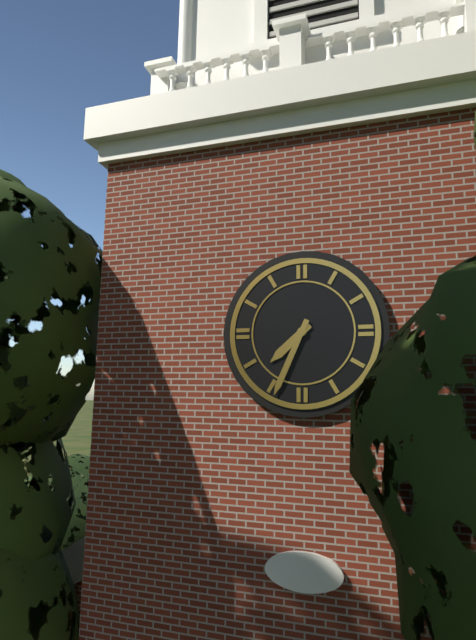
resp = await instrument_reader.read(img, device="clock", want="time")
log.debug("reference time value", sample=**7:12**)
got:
**7:34**
